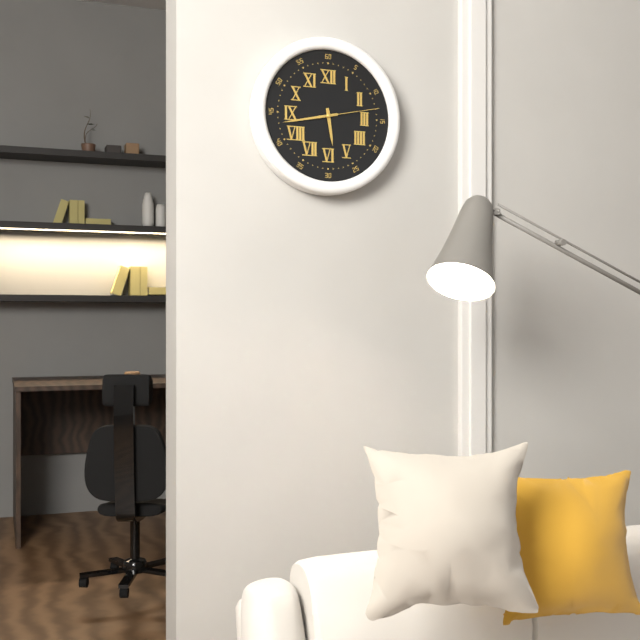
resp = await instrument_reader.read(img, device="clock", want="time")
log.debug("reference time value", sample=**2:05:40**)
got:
**5:43:13**
